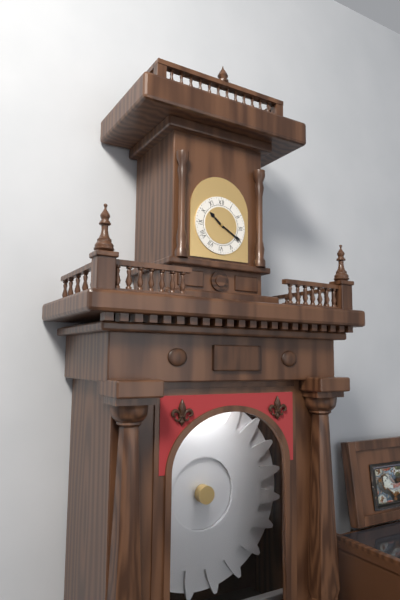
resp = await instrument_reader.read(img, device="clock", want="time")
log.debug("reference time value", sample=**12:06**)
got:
**10:20**
